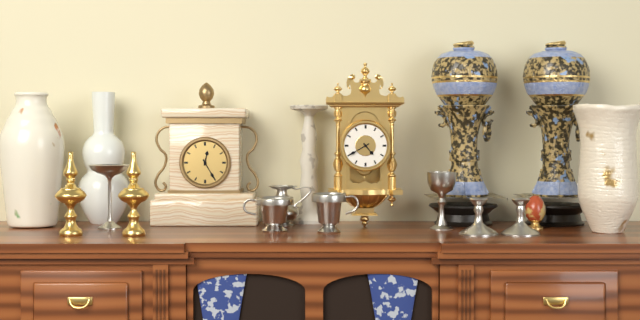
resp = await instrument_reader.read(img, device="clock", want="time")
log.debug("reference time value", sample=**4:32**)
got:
**4:40**
